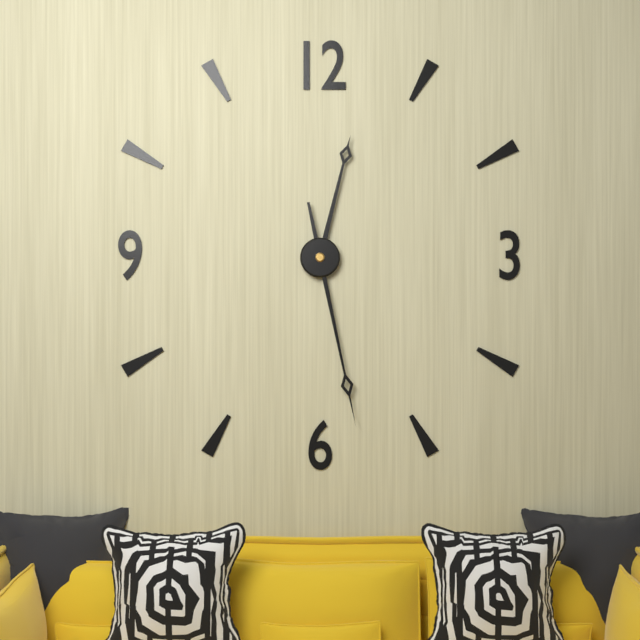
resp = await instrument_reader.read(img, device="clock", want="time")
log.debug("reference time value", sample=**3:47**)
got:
**12:28**
